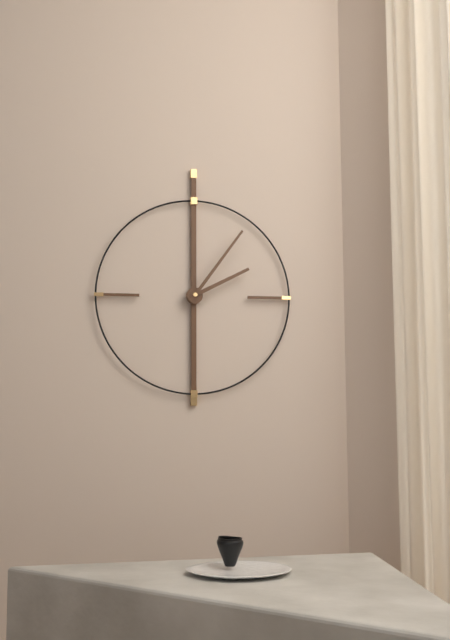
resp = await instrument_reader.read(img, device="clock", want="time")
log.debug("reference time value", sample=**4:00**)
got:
**2:06**
